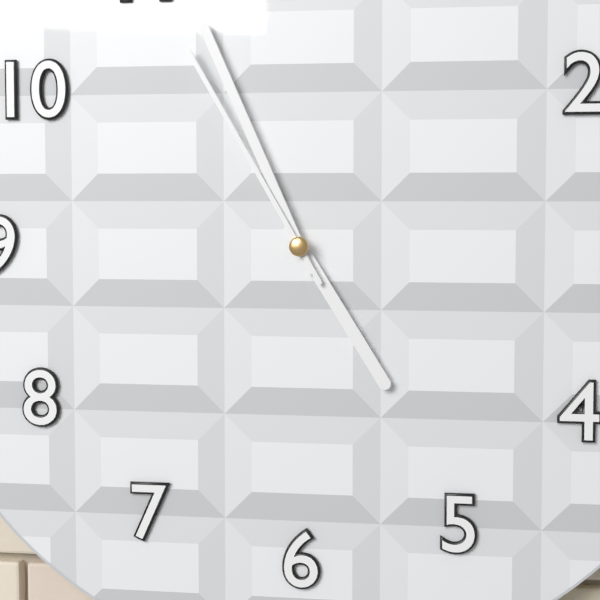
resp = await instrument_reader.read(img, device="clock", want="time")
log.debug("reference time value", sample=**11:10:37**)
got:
**4:56:55**
